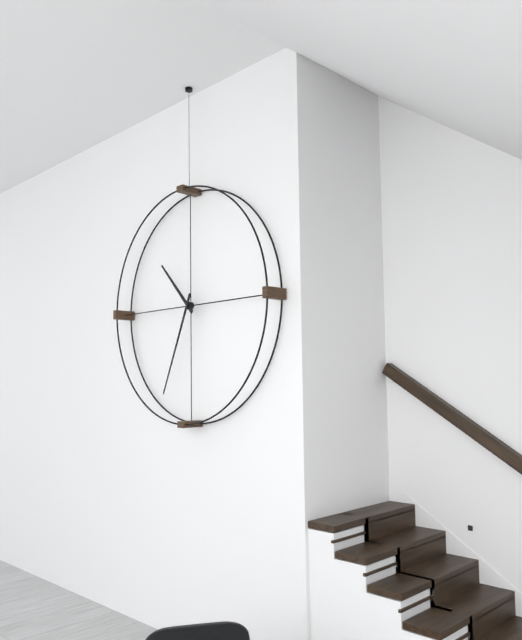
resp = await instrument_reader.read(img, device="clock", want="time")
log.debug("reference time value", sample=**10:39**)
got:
**10:34**
